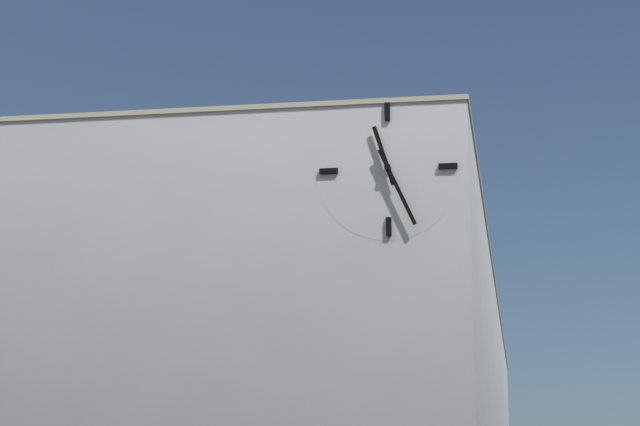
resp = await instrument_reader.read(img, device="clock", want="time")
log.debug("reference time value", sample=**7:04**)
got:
**11:26**
